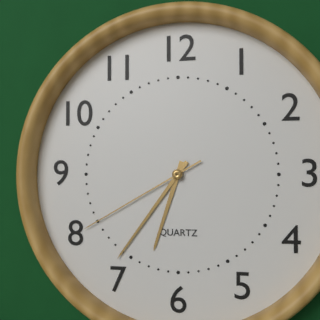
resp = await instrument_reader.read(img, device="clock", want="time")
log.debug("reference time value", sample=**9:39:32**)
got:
**6:36:40**
